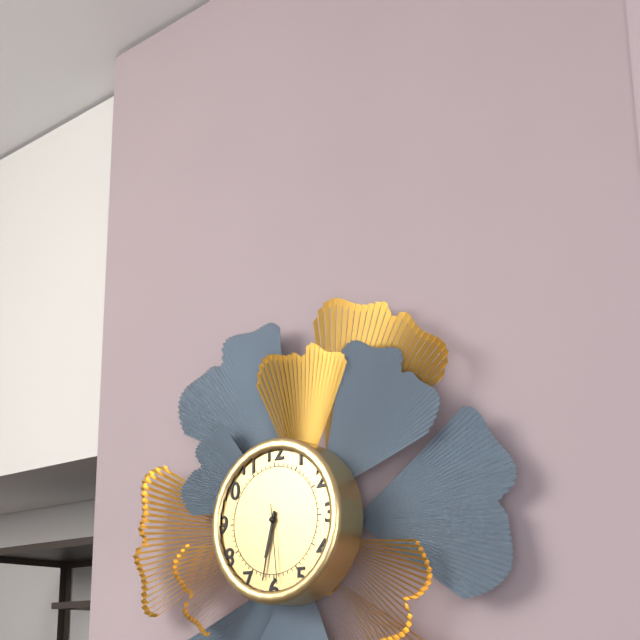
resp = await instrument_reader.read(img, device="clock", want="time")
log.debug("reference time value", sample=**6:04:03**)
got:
**6:32:29**
